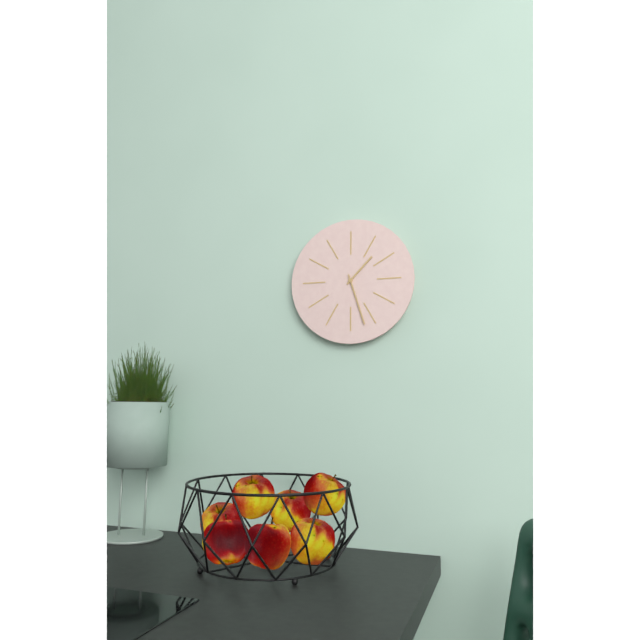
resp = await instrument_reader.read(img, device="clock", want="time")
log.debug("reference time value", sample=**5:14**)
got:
**1:27**
